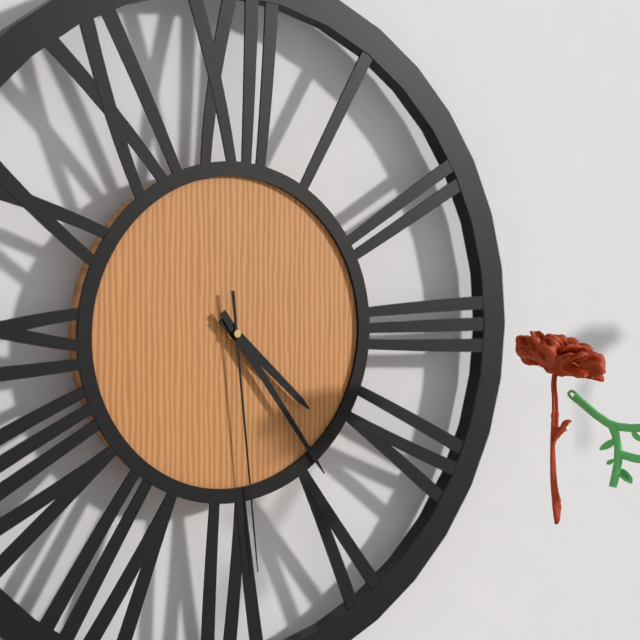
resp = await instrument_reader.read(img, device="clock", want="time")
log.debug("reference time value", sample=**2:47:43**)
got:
**4:24:29**
